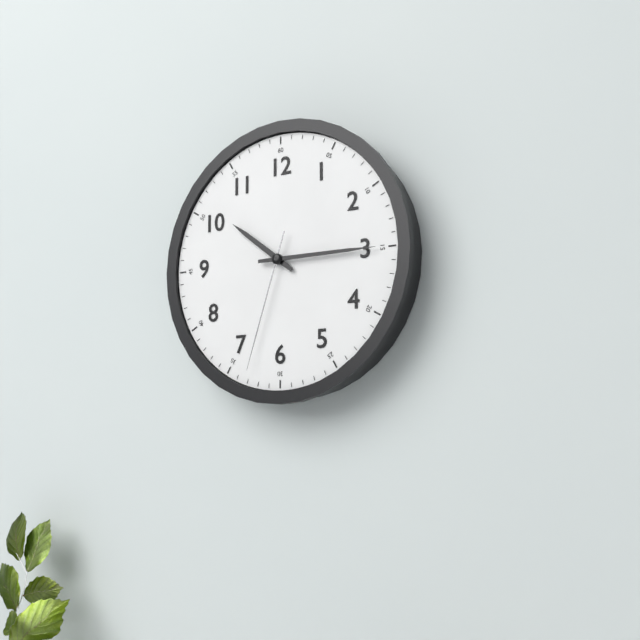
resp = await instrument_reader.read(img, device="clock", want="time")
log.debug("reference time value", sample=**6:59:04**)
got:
**10:15:33**
